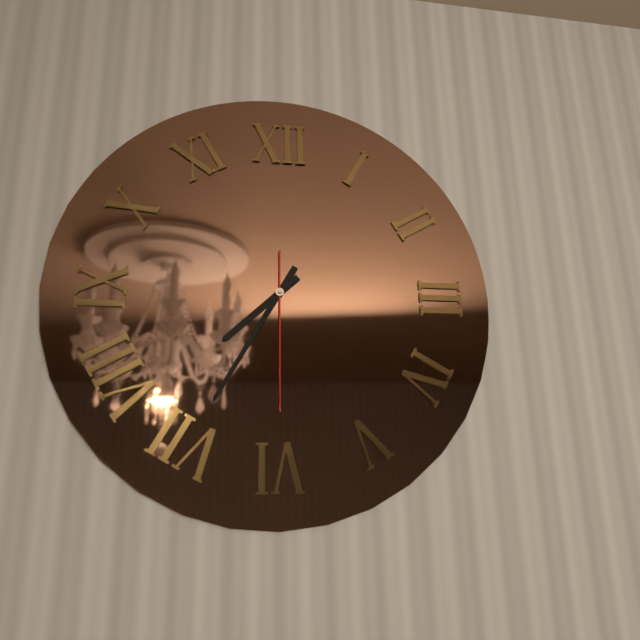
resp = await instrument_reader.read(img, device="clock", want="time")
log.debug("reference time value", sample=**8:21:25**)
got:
**7:35:30**
